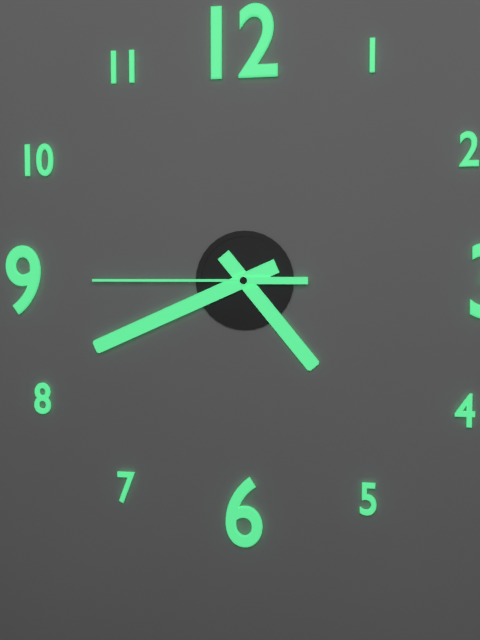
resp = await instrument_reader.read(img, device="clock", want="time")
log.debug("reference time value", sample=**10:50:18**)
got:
**4:41:45**
